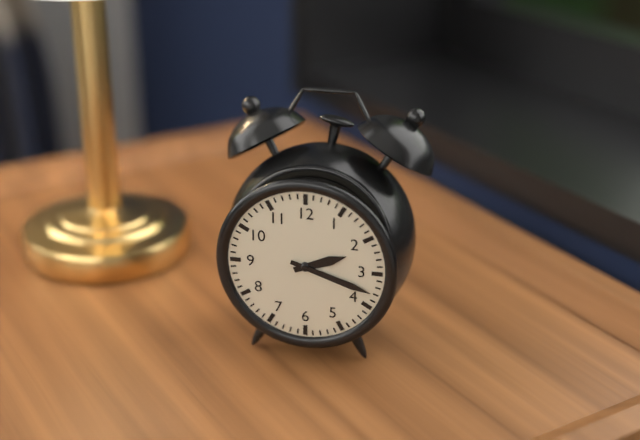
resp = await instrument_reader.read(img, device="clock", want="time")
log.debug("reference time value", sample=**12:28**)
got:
**2:18**
